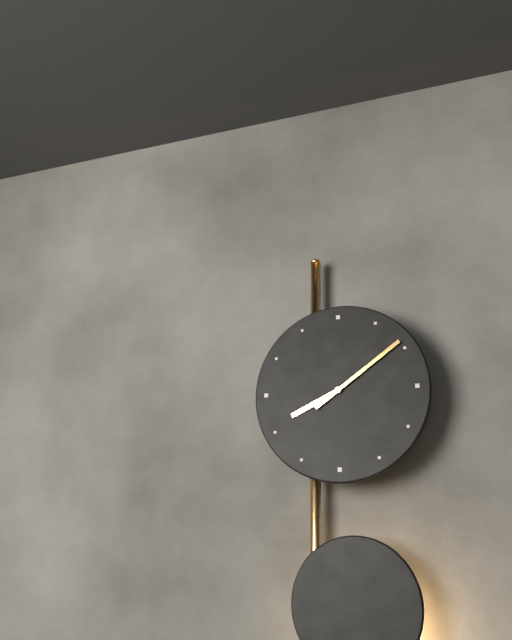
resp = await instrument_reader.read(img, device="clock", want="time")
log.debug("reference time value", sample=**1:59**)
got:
**8:09**
